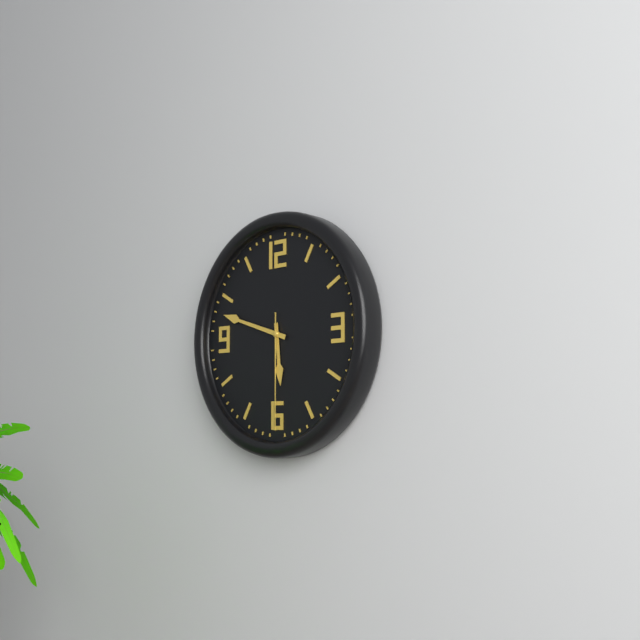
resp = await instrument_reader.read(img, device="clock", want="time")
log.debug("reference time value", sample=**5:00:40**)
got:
**5:48:30**
